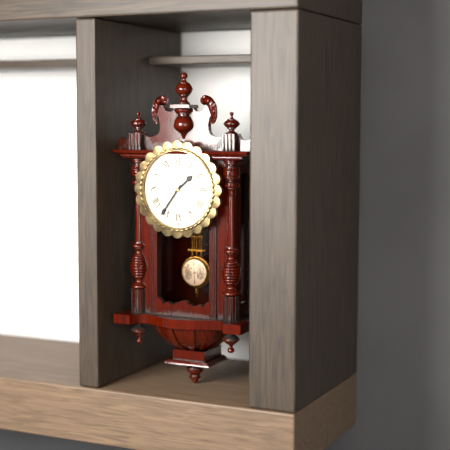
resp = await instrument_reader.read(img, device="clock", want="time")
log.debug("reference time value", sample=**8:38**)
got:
**1:36**
